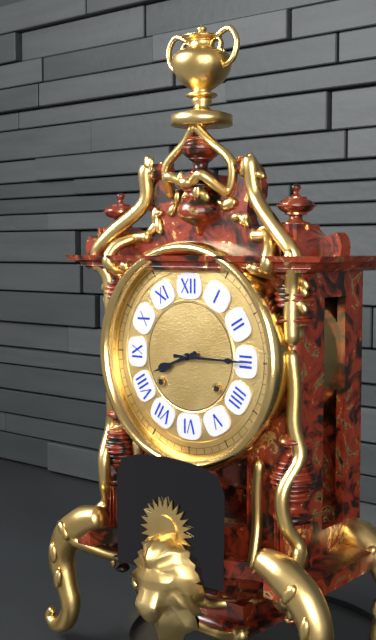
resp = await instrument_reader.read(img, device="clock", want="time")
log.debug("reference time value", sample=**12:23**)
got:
**8:15**
